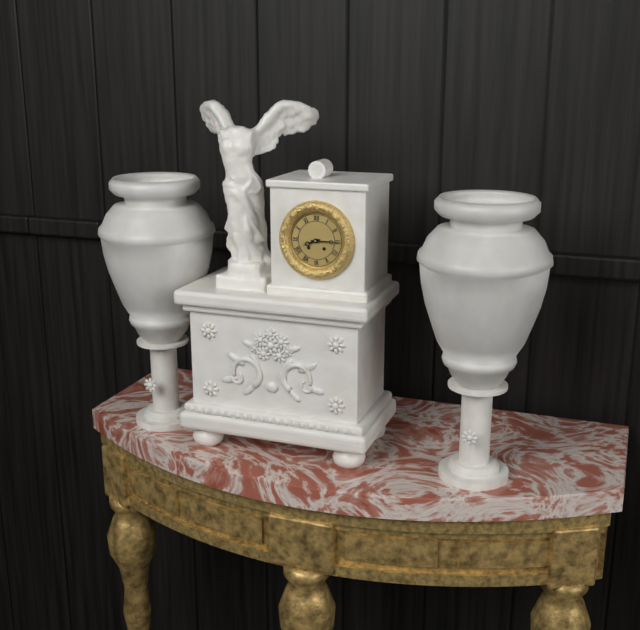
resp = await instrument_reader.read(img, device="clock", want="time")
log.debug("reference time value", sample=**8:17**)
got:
**8:15**
